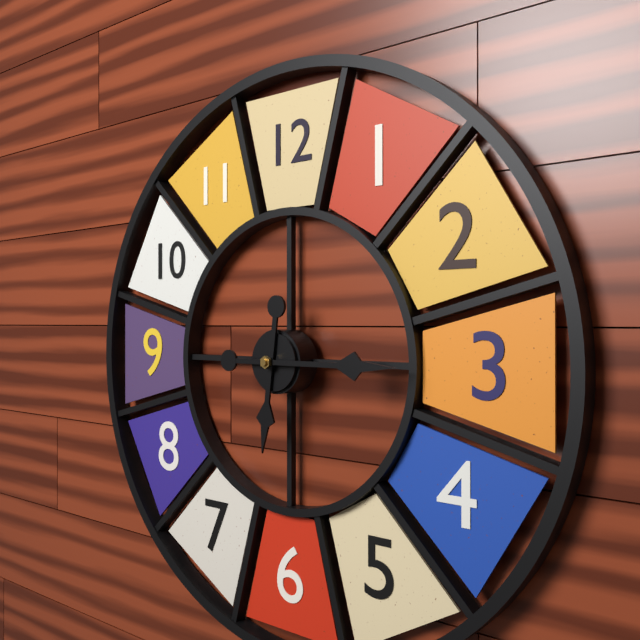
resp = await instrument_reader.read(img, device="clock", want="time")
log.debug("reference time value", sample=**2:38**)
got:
**6:15**
